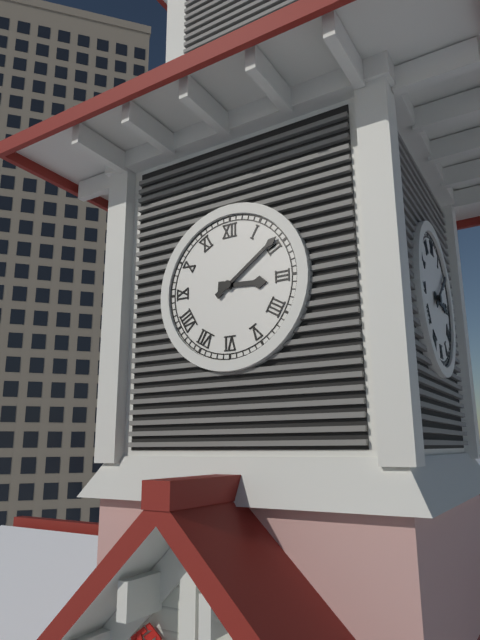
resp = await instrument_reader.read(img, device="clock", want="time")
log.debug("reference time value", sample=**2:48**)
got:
**3:09**
